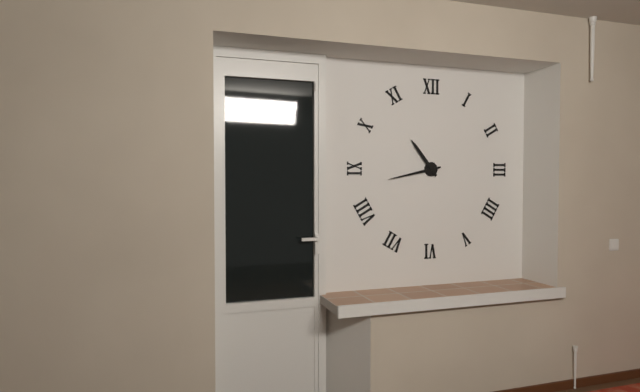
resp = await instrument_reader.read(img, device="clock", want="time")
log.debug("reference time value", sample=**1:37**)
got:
**10:43**
